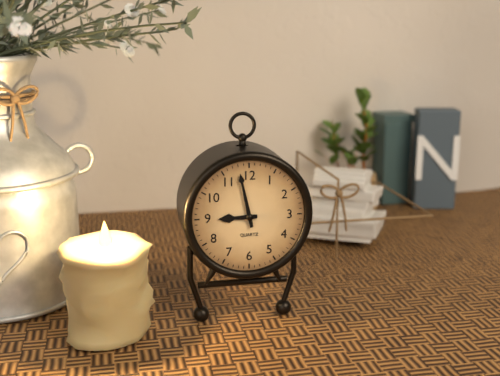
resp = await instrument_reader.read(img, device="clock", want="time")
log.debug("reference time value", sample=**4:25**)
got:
**8:58**
